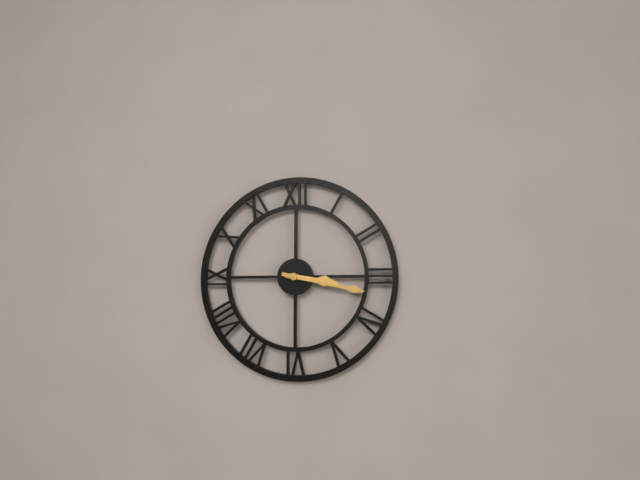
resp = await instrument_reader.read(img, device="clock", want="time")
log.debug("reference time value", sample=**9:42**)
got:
**3:17**
